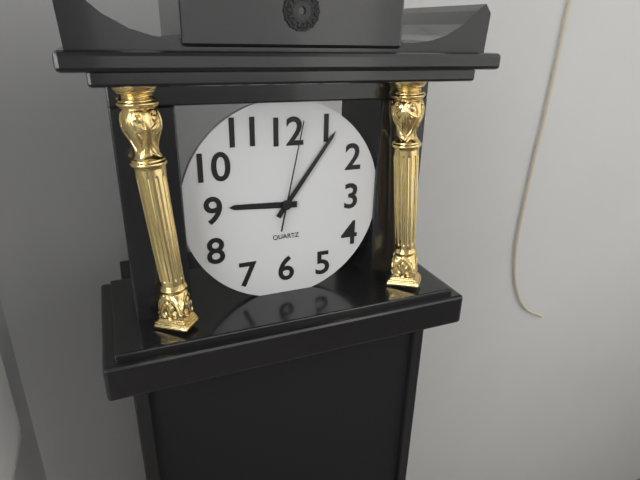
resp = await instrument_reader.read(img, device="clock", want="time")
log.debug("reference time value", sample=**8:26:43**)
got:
**9:06:02**
